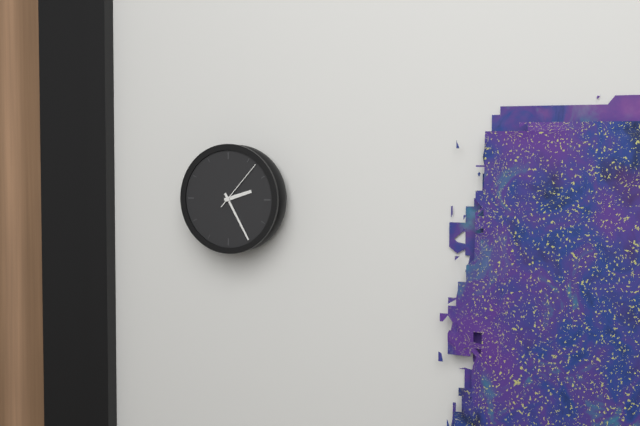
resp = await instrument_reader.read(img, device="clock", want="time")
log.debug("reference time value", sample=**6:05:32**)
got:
**2:25:07**
